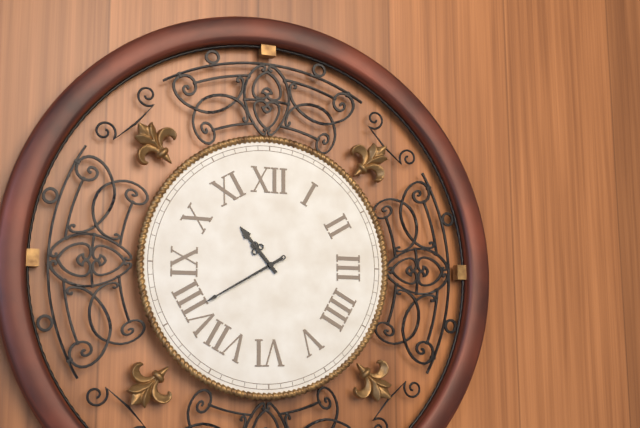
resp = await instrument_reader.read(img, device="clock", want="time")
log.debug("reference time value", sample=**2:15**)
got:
**10:40**
